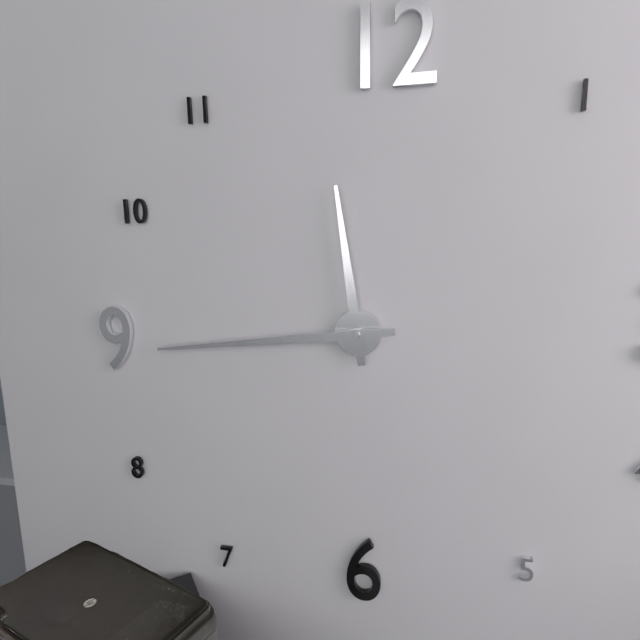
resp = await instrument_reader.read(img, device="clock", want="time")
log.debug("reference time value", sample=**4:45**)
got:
**11:44**
